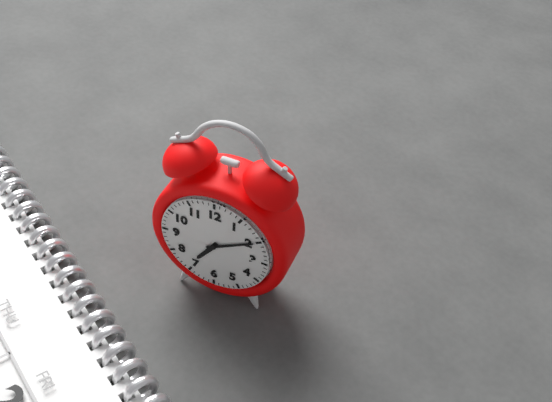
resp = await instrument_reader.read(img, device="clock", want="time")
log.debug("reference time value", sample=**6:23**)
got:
**7:10**
